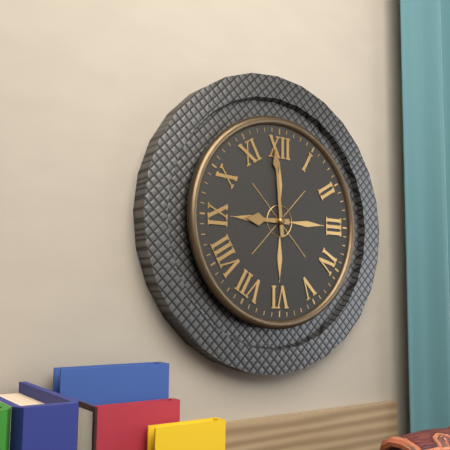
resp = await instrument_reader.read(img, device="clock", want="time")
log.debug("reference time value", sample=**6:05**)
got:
**8:59**
